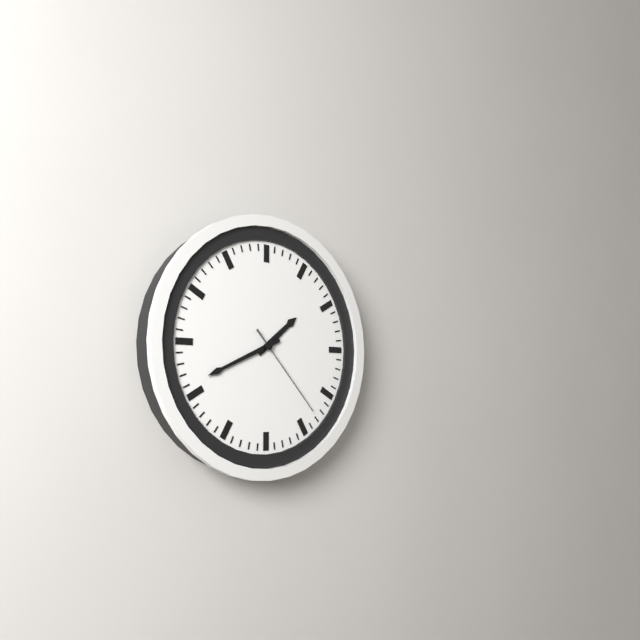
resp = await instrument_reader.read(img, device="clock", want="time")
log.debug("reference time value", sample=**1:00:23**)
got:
**1:41:23**
